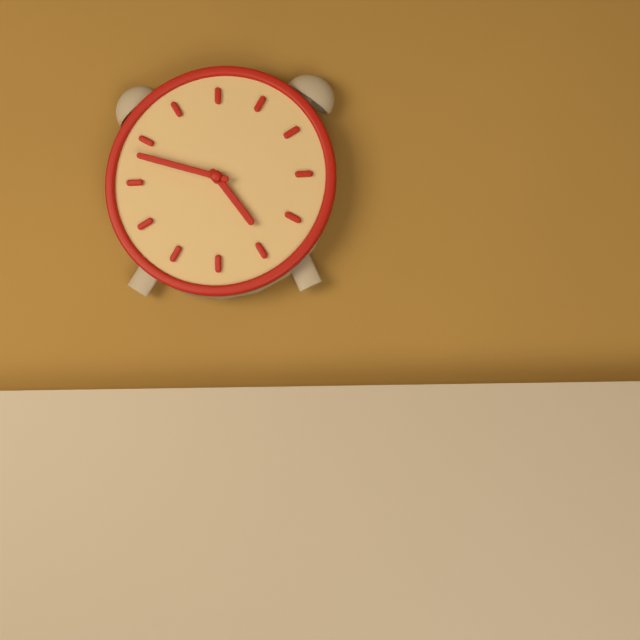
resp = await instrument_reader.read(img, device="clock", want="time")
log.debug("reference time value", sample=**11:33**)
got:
**4:48**
